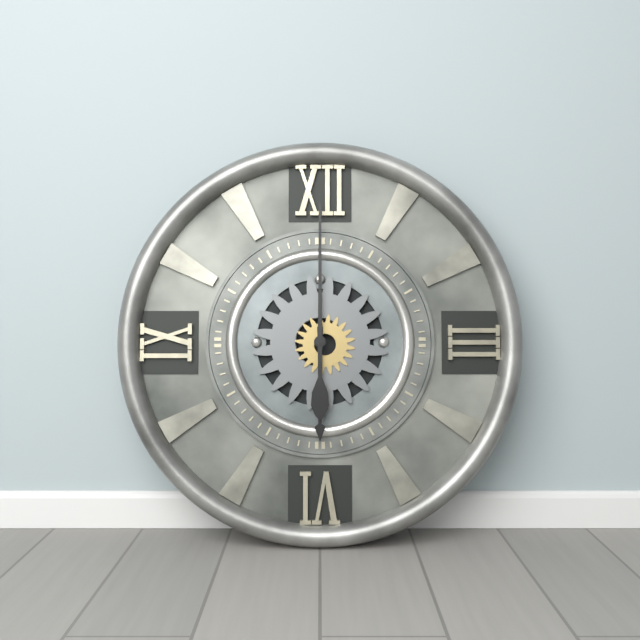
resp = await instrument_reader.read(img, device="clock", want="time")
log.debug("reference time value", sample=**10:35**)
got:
**6:00**
